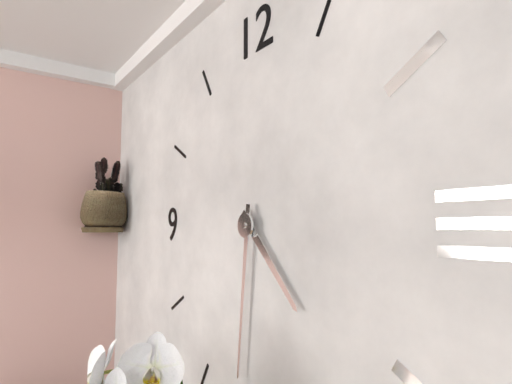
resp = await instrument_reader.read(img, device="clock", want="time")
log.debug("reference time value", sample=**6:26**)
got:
**4:31**
